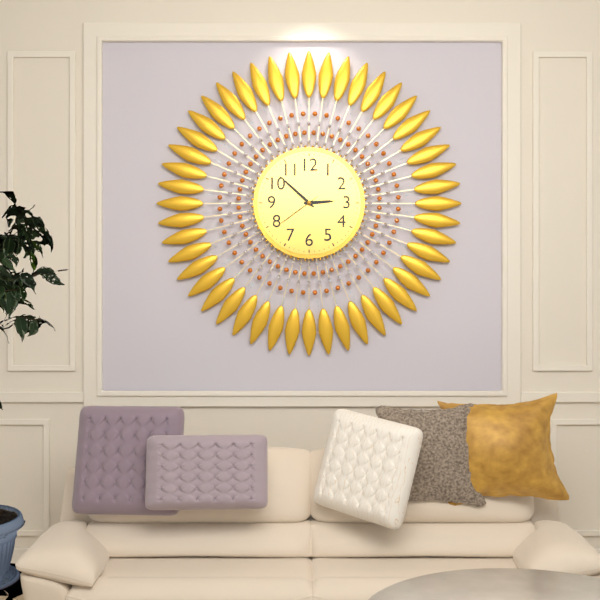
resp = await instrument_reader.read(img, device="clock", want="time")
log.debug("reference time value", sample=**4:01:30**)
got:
**2:52:39**
